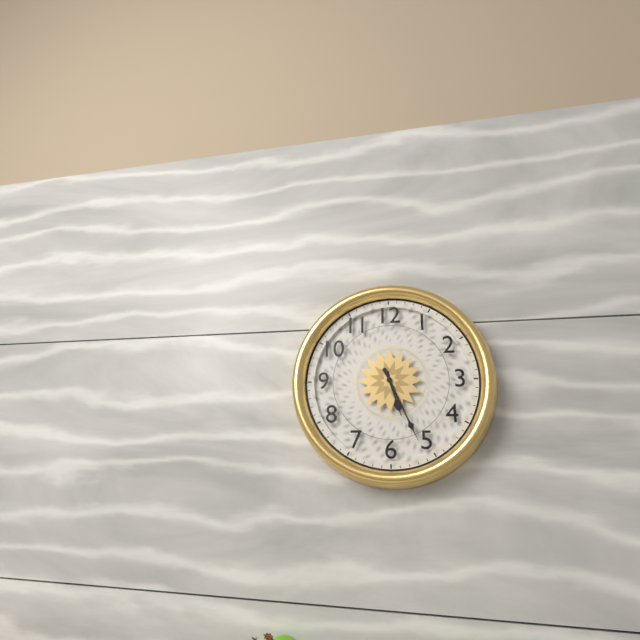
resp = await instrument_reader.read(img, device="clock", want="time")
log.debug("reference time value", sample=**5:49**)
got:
**5:26**
